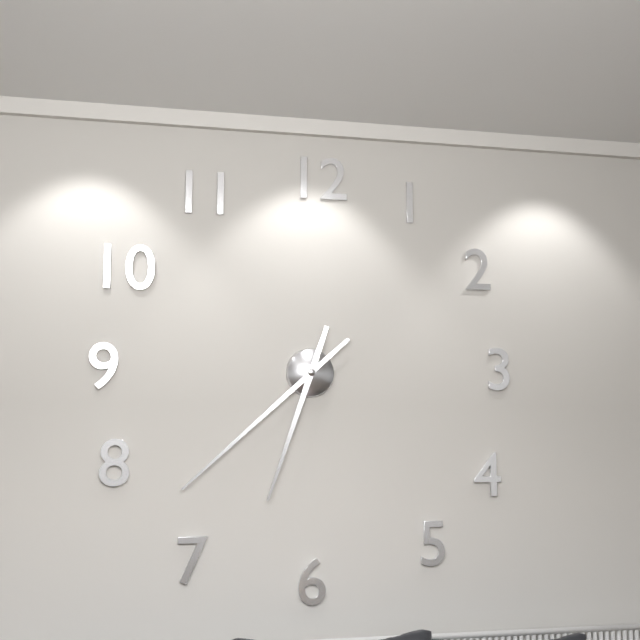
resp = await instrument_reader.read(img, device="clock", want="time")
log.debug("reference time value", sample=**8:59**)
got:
**6:38**
